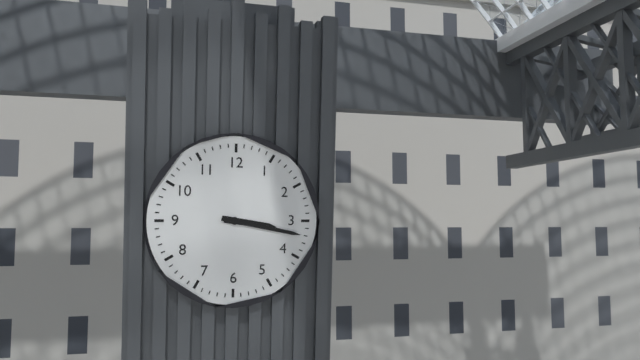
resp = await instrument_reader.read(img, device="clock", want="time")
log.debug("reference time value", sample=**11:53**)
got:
**3:17**
